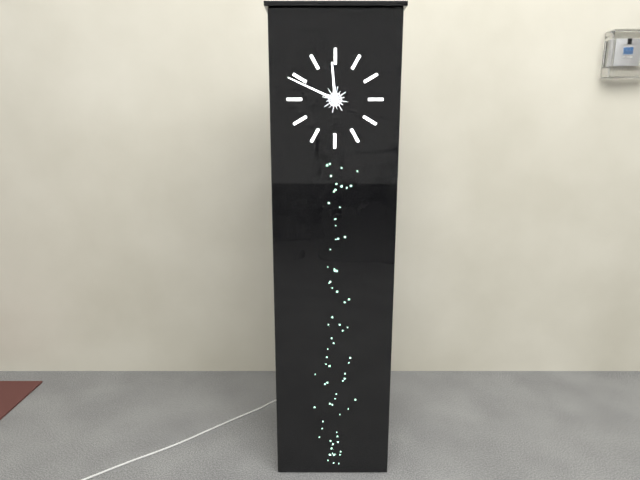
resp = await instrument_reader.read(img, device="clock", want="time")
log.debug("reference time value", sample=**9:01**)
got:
**11:49**
